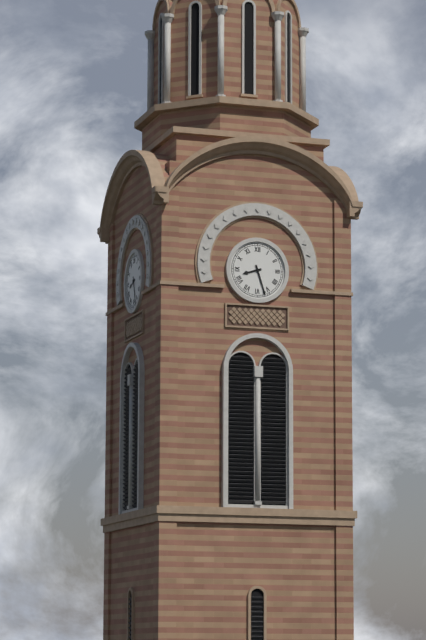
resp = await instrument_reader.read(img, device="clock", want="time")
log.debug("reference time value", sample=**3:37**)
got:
**8:27**
